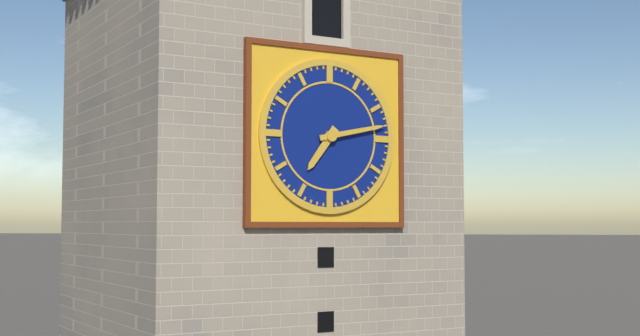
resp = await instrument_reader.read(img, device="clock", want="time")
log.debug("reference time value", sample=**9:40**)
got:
**7:13**
